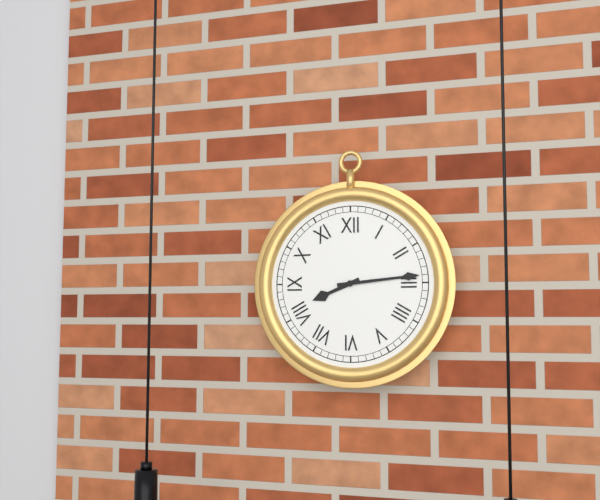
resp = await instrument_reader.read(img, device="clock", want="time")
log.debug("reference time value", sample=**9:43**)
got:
**8:14**
